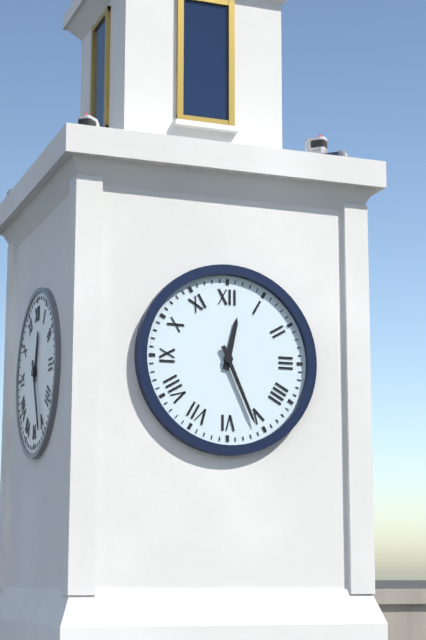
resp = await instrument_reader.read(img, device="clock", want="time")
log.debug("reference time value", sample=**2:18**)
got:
**12:26**
